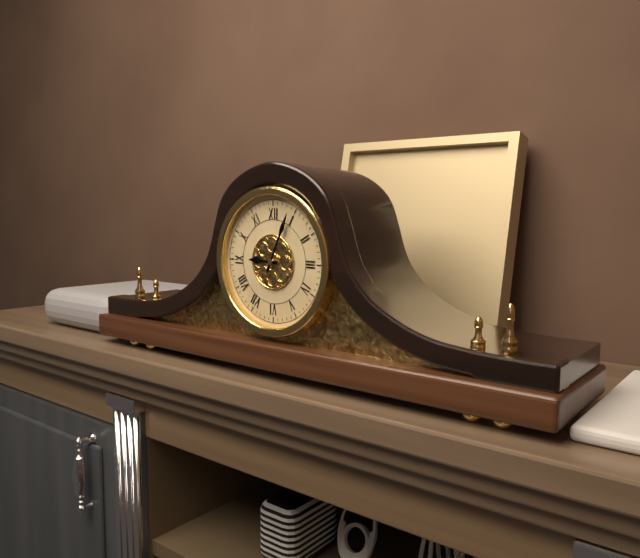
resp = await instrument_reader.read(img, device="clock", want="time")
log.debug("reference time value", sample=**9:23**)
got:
**9:04**
